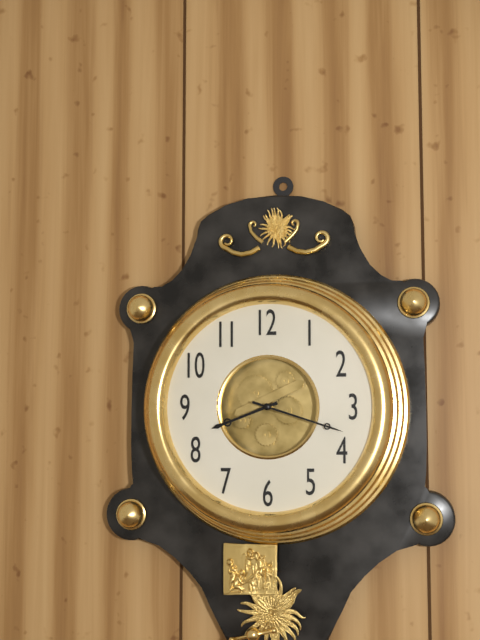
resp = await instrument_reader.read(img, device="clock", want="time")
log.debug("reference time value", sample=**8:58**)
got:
**8:18**
